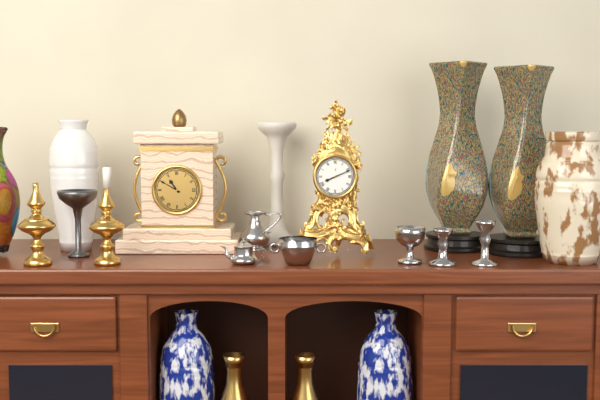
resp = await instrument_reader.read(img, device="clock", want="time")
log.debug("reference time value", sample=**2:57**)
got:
**8:11**
